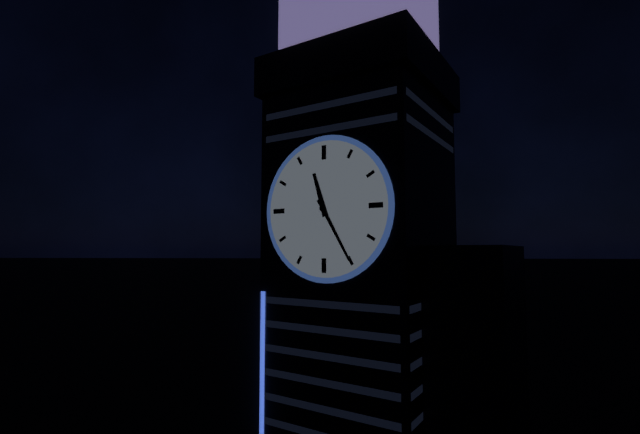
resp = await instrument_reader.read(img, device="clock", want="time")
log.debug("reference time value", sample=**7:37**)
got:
**11:25**
